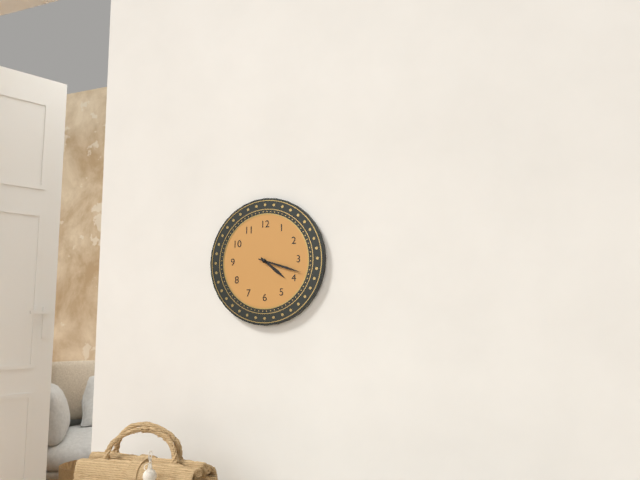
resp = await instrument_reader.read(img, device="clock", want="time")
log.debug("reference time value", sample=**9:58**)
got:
**4:18**
